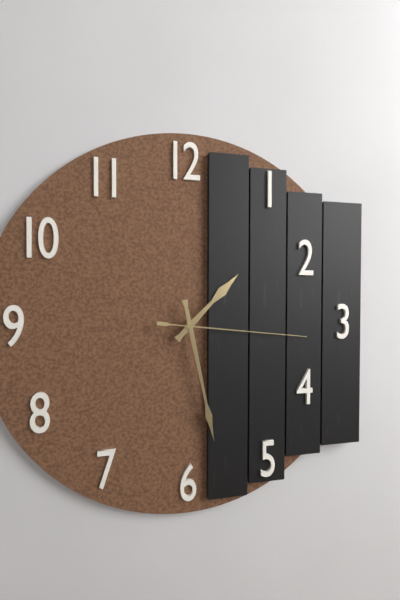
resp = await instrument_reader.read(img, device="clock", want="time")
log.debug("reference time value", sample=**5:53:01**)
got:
**1:28:16**
